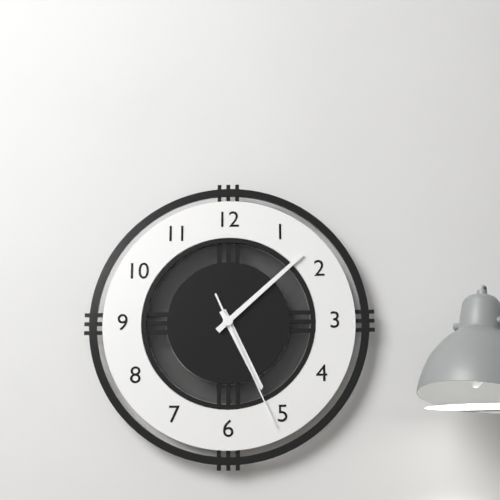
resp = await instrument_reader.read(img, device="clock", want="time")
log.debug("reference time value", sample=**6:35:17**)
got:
**5:08:26**
